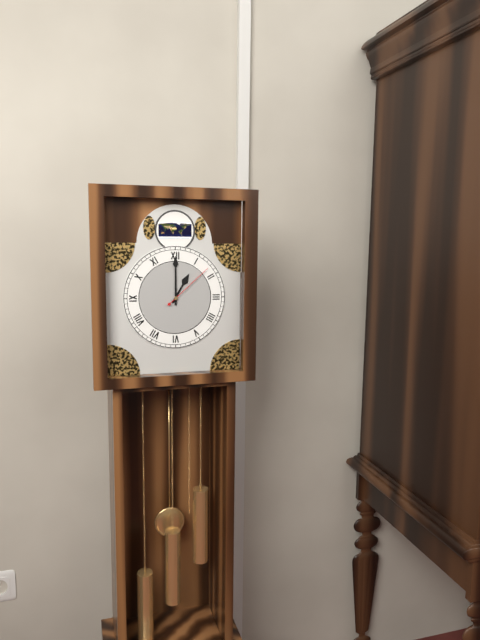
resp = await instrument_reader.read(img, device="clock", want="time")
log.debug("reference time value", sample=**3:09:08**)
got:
**1:00:08**
